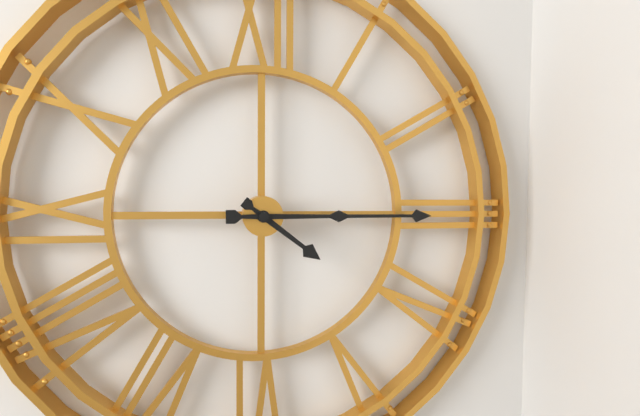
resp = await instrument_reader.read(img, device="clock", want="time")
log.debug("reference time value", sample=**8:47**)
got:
**4:15**
